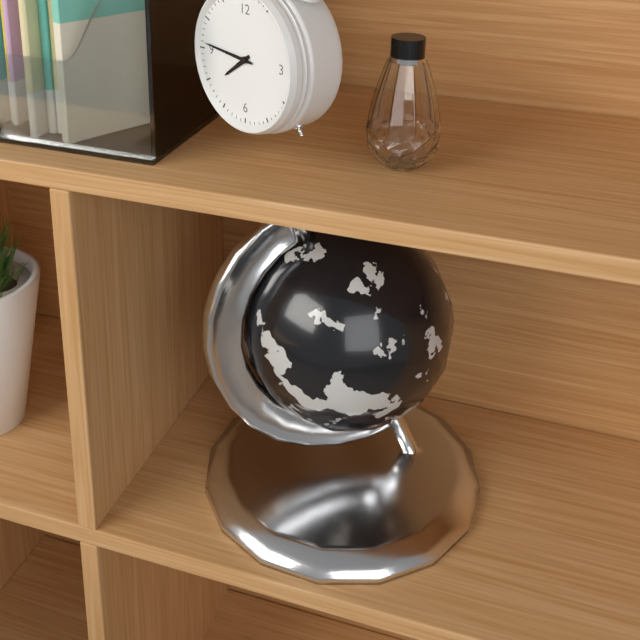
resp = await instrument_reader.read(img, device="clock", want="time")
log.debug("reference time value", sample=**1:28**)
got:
**7:46**
